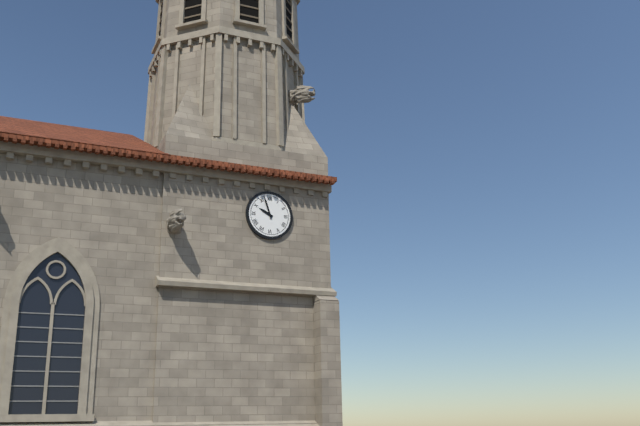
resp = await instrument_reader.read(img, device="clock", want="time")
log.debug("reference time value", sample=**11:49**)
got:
**9:57**
